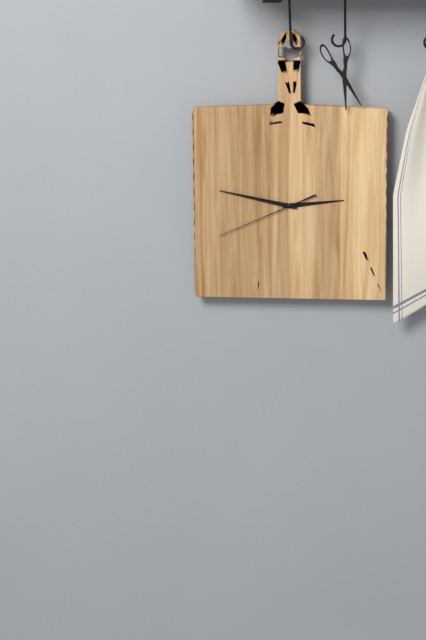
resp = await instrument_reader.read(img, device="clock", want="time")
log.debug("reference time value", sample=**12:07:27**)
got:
**2:47:41**
